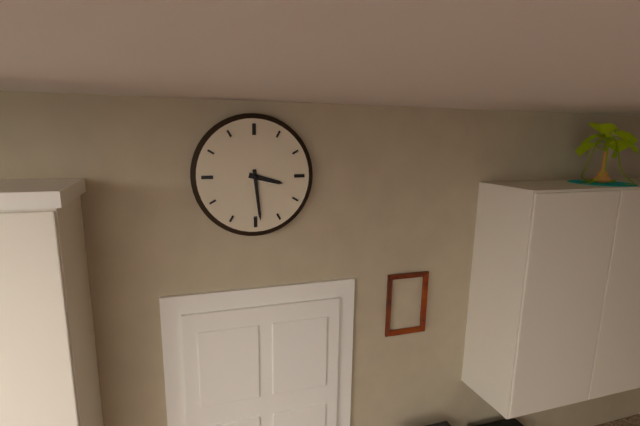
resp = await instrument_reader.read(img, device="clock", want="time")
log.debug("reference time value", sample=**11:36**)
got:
**3:29**
